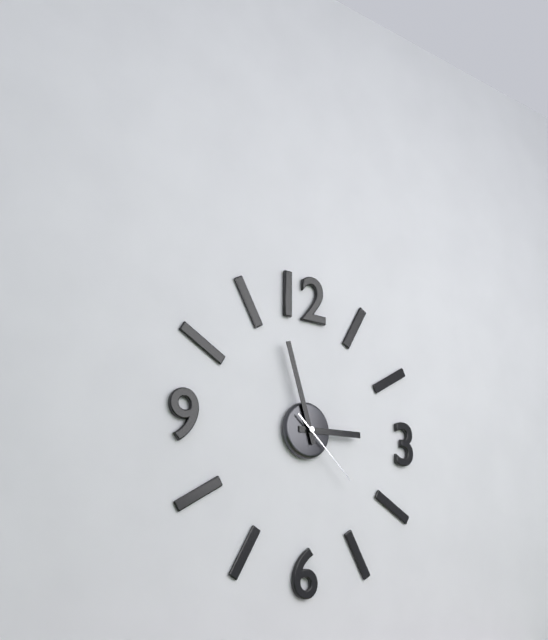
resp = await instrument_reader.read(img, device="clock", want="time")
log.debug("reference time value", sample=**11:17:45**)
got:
**2:57:22**
